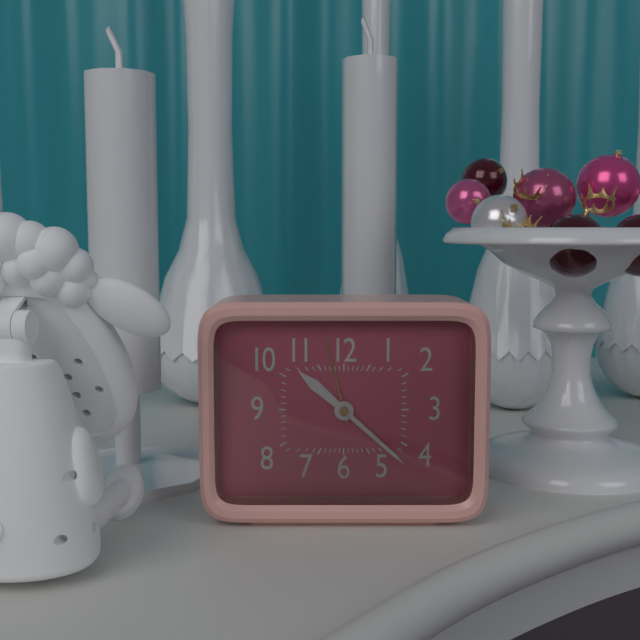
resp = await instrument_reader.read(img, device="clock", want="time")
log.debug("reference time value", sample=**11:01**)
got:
**10:22**
